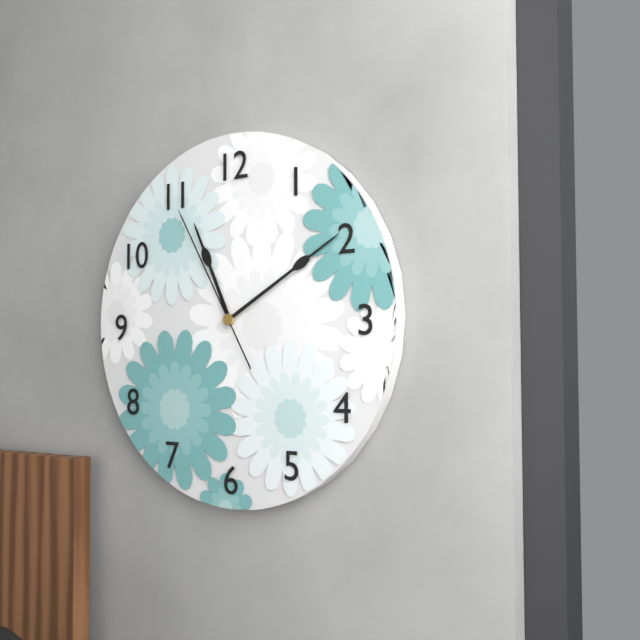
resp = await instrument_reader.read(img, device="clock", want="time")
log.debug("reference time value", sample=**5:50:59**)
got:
**11:10:55**
